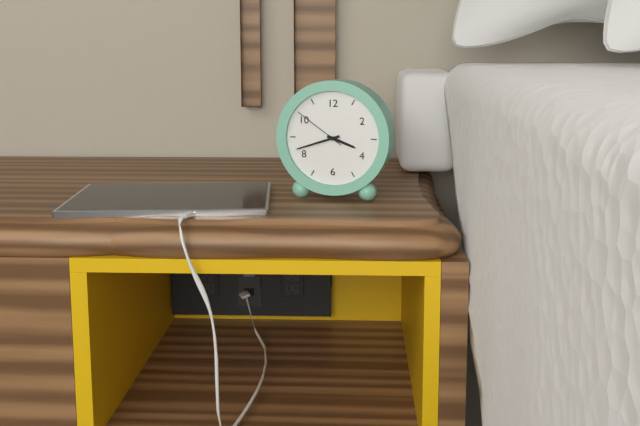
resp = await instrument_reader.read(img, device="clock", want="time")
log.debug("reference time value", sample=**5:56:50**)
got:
**3:42:51**
